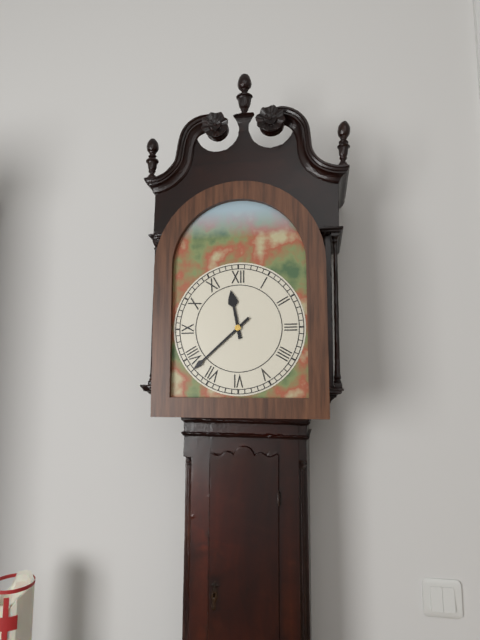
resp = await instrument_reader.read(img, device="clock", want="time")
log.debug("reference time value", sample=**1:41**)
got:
**11:38**
